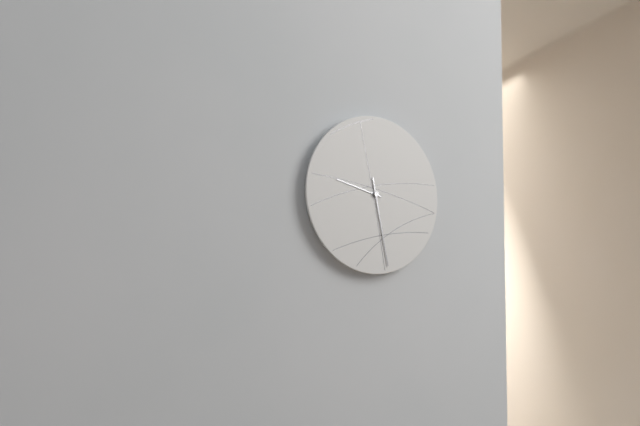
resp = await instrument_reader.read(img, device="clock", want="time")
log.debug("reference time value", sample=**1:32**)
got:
**9:28**
